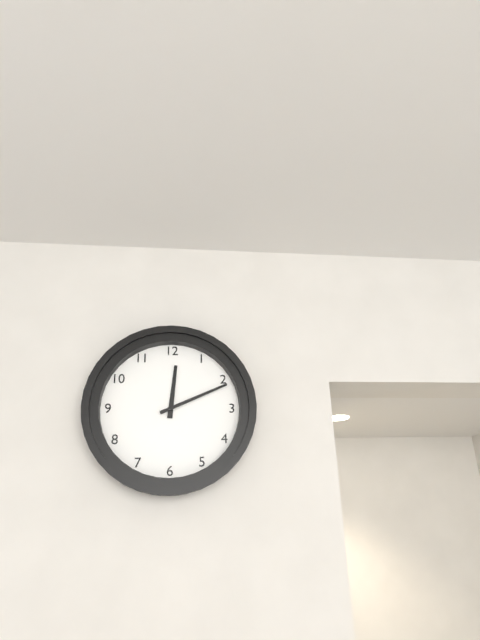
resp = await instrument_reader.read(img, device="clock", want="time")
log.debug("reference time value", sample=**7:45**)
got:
**12:11**
